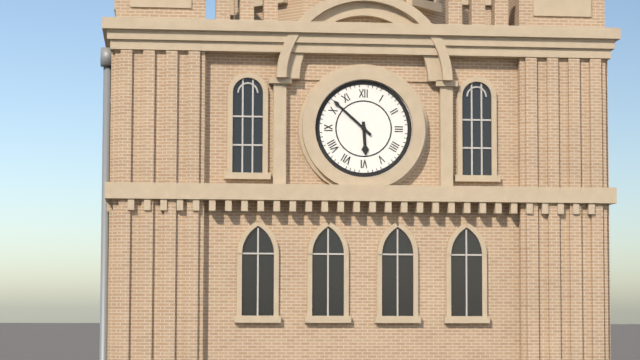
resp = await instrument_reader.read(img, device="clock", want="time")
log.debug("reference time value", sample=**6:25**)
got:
**5:52**
